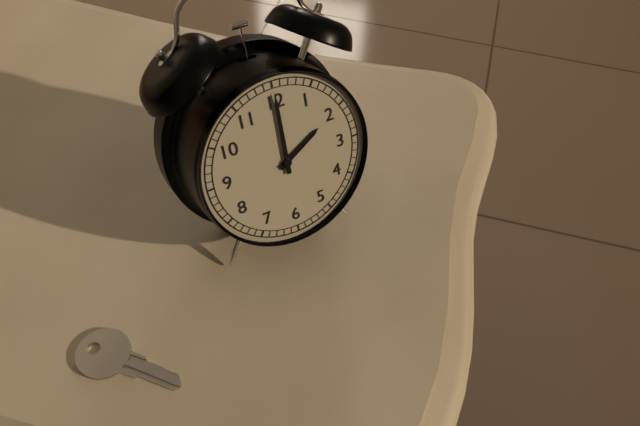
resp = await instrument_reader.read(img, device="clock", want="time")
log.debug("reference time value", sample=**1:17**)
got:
**2:00**
